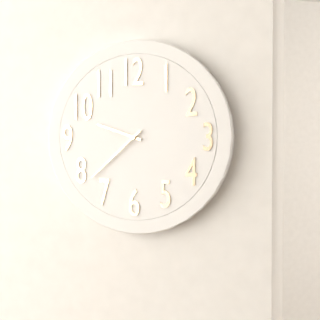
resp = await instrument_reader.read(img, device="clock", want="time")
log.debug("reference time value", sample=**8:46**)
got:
**9:38**
